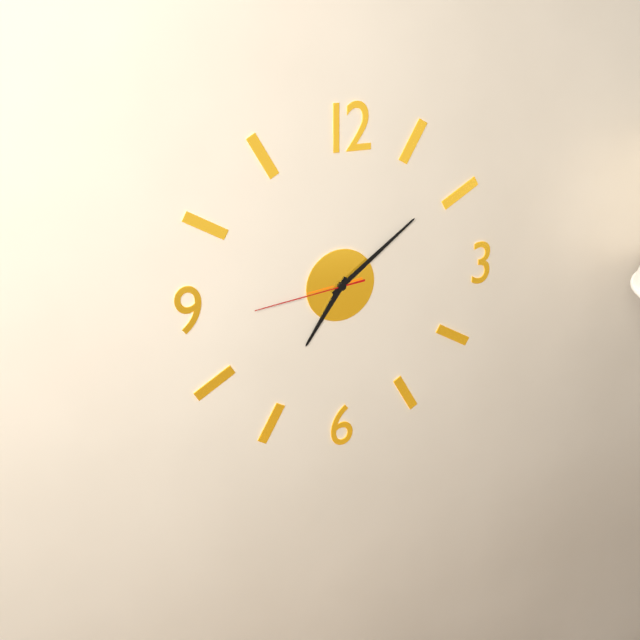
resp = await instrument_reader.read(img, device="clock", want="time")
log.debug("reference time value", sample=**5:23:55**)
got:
**7:09:44**
